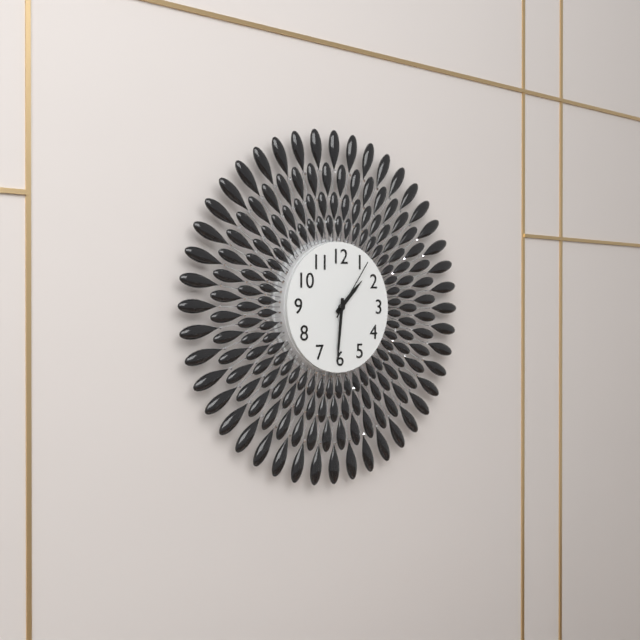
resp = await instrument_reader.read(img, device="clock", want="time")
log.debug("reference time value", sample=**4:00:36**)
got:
**1:31:06**
